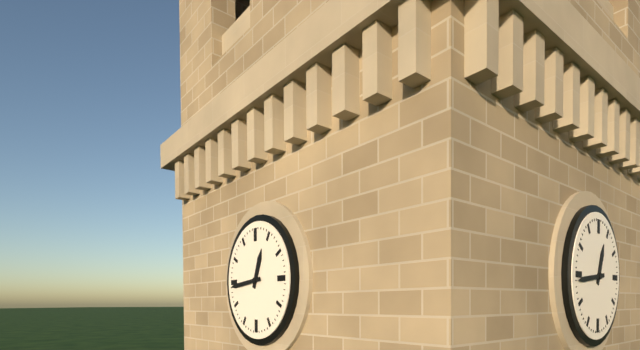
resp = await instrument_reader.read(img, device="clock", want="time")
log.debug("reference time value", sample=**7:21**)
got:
**12:44**
